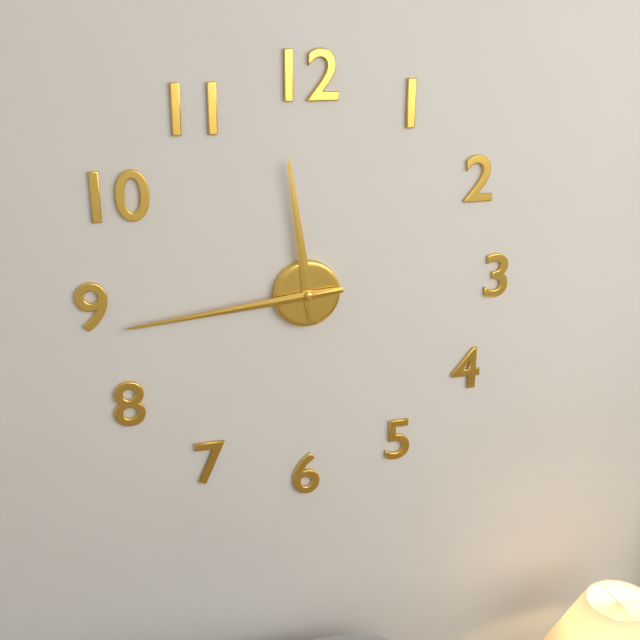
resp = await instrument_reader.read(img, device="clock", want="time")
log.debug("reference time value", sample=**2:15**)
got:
**11:44**
